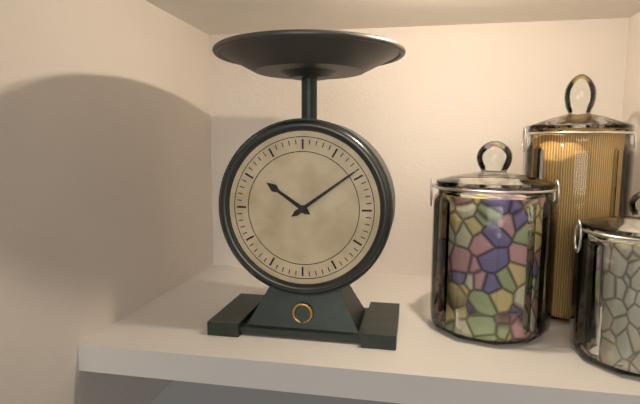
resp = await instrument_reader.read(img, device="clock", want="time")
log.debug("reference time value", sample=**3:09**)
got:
**10:09**
